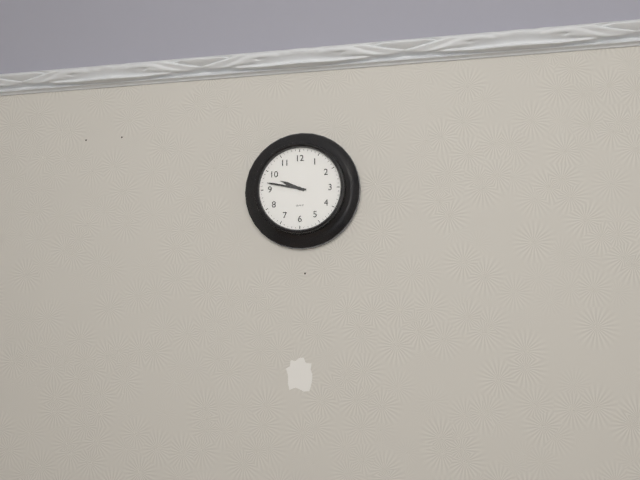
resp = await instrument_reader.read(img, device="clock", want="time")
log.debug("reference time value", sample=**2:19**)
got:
**9:47**
